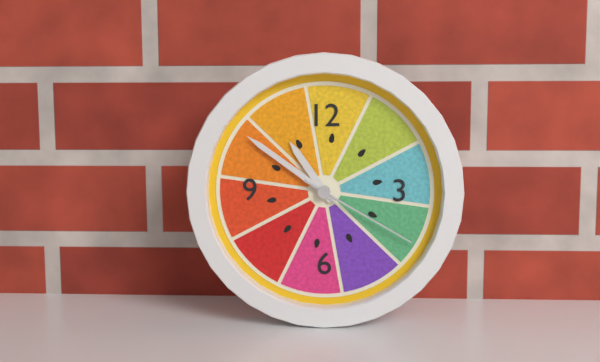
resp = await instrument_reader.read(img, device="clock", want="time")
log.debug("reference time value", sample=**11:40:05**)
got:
**10:51:20**
